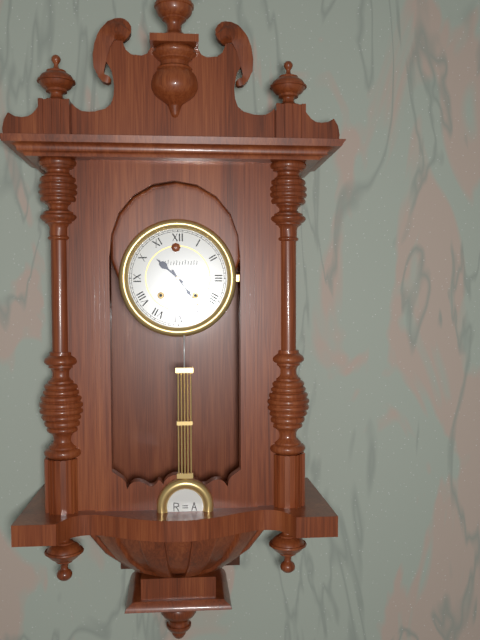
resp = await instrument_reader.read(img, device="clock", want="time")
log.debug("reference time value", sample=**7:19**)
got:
**10:24**
